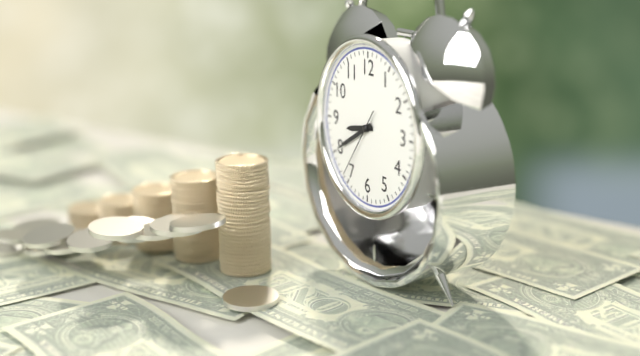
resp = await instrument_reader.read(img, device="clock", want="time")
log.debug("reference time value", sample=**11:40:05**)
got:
**8:40:36**
